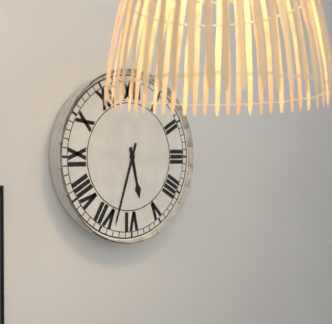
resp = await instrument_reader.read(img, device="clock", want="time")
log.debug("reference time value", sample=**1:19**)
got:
**5:33**
